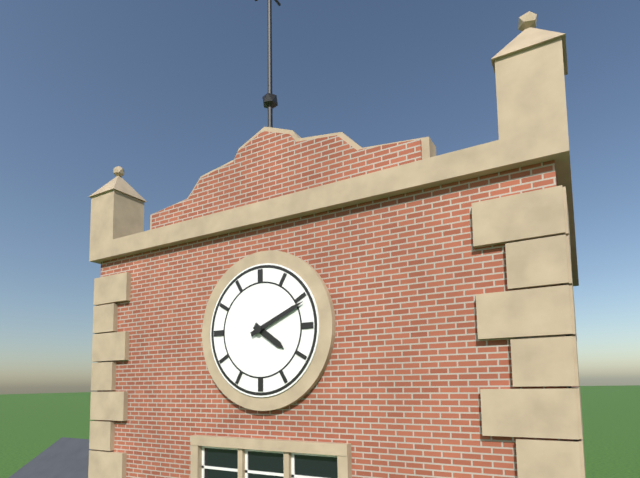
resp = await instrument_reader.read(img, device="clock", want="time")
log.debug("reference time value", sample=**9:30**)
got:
**4:11**
